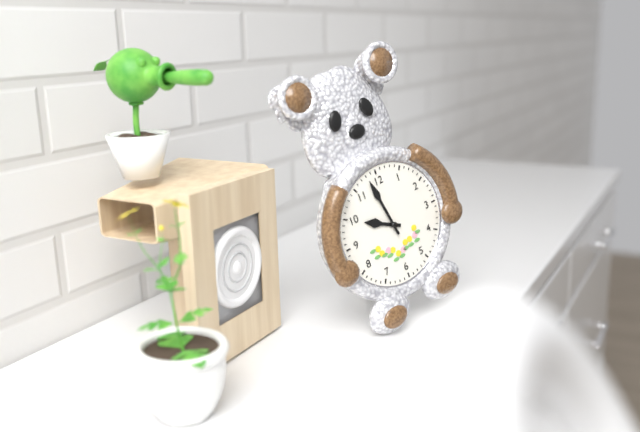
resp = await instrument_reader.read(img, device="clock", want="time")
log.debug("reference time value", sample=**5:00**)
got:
**9:58**
